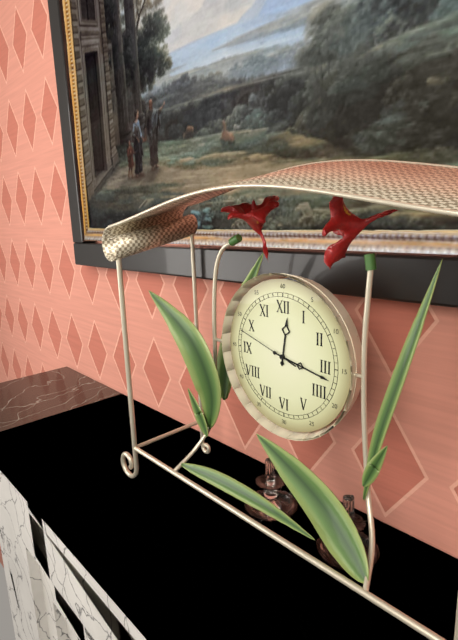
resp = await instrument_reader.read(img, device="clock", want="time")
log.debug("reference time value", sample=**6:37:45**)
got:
**12:17:48**
